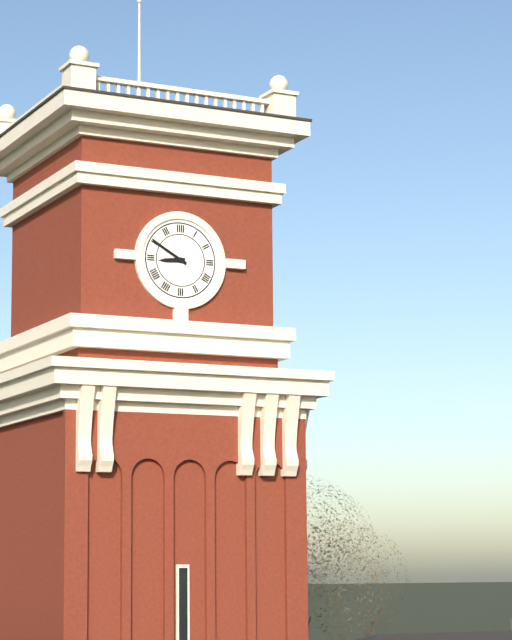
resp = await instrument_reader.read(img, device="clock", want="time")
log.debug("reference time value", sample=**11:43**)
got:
**8:50**
